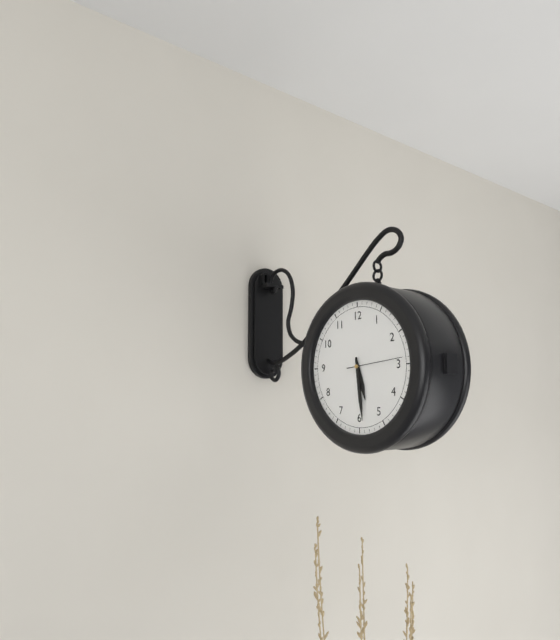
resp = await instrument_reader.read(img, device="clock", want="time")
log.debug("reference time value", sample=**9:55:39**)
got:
**5:29:14**
